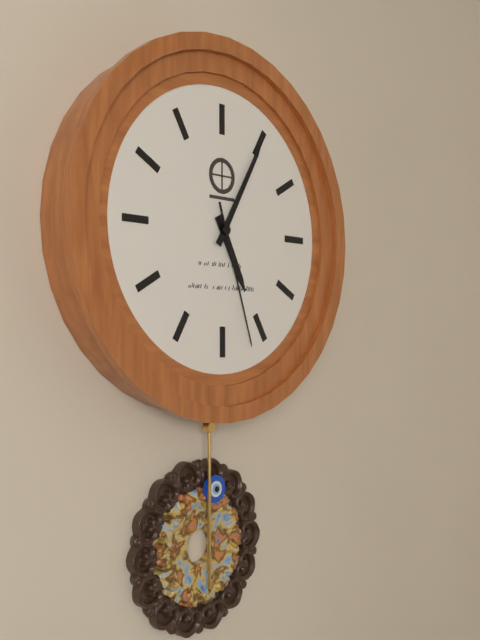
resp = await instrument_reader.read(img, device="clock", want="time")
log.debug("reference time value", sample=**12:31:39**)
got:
**5:05:27**
